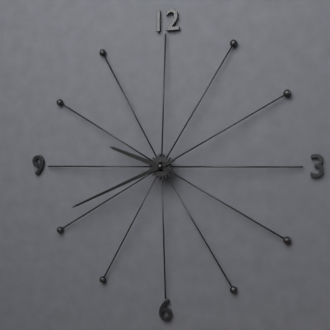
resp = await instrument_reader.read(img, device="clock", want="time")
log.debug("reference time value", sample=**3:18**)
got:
**9:41**
